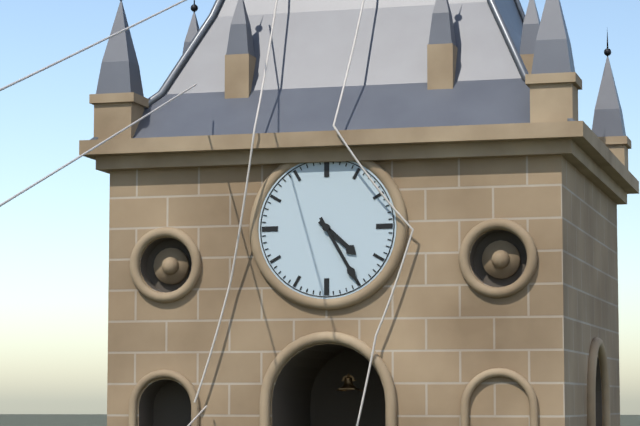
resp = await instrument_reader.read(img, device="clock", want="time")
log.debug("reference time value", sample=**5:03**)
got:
**4:25**
